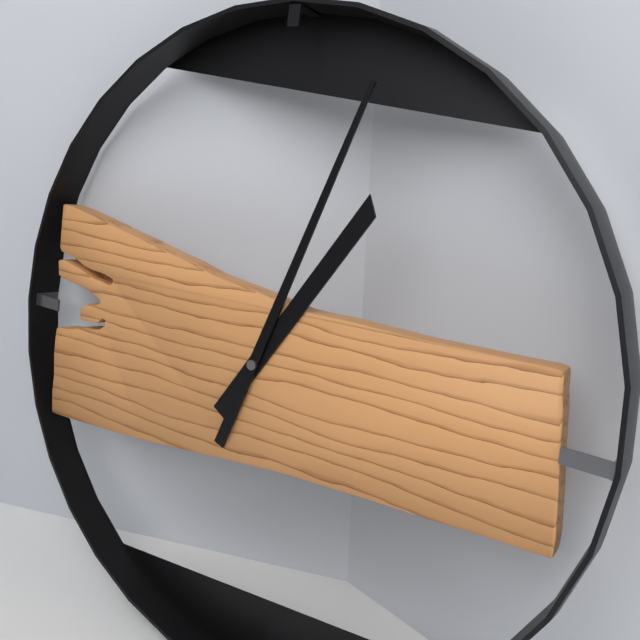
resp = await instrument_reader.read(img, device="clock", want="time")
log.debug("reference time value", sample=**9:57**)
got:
**1:03**
